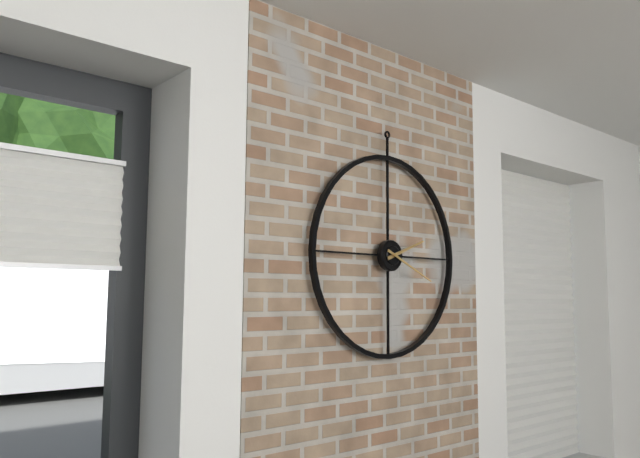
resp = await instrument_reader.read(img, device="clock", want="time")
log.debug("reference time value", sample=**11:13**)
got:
**2:19**
